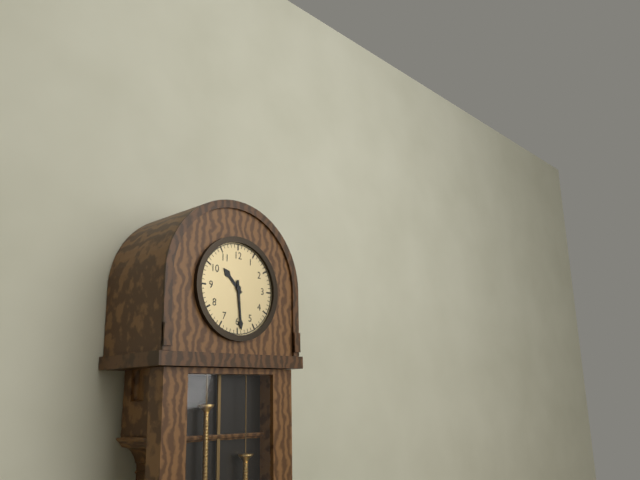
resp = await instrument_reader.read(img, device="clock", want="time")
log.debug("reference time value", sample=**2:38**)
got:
**10:29**
